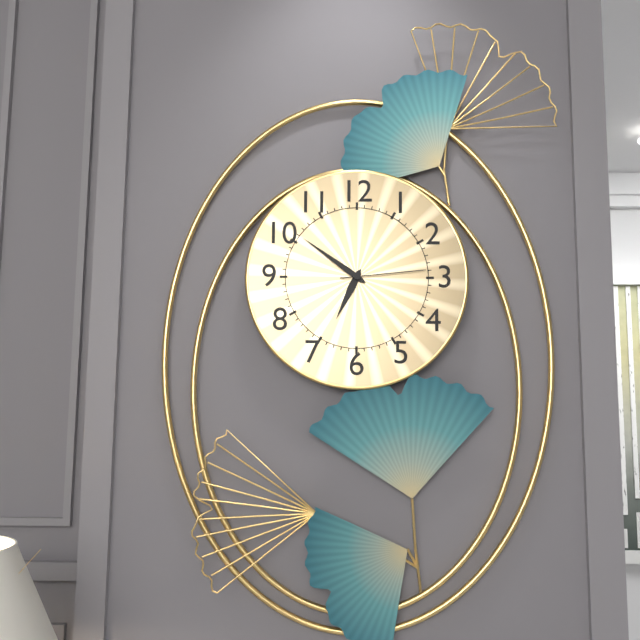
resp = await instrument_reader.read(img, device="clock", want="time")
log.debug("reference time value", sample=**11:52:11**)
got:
**6:51:14**
